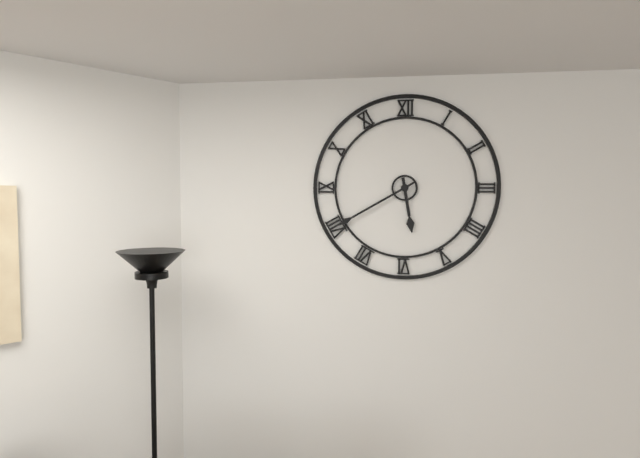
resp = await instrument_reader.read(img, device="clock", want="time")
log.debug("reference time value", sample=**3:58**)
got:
**5:40**
